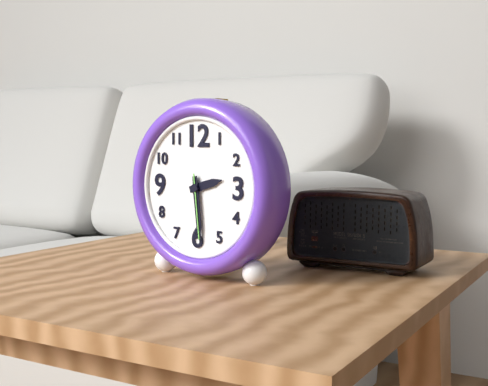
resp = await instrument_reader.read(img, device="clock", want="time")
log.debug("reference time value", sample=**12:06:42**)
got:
**2:29:29**
